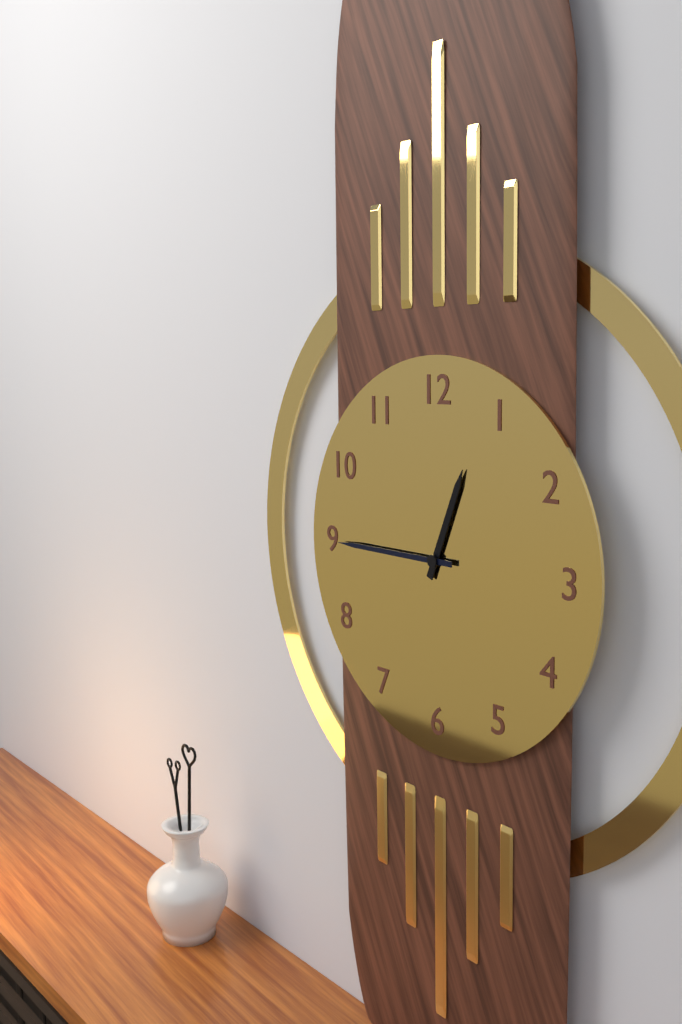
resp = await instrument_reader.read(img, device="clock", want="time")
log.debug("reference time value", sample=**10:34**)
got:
**12:45**
